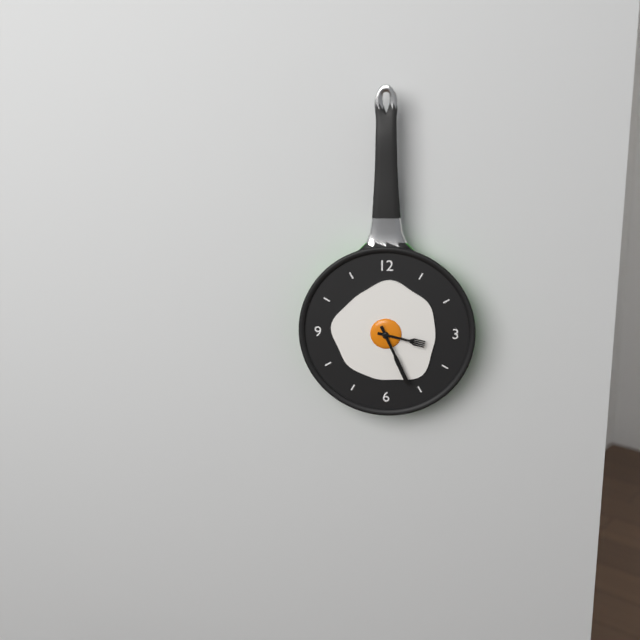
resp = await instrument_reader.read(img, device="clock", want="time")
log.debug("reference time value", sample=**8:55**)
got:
**3:26**
